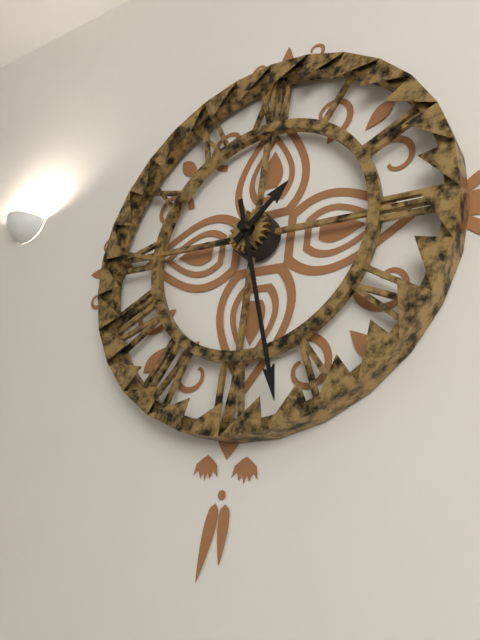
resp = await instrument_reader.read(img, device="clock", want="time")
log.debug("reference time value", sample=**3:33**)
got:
**1:27**
